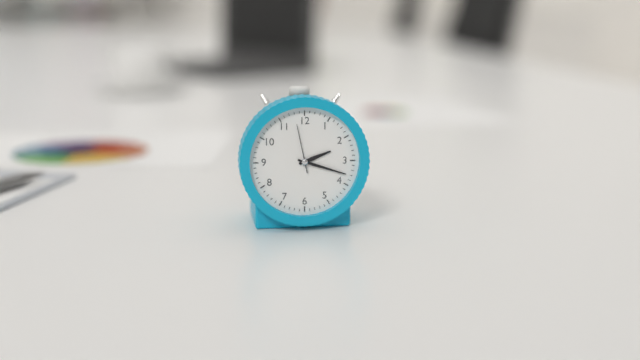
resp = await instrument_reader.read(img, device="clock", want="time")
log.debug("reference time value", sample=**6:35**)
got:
**2:18**
